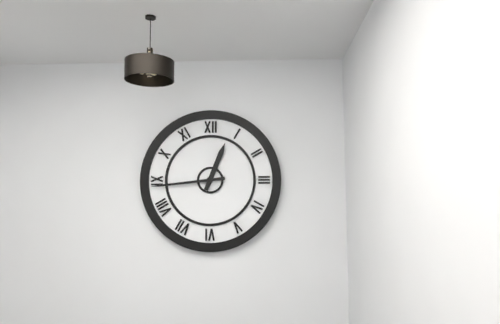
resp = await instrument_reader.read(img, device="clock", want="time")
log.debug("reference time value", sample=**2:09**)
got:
**12:44**
